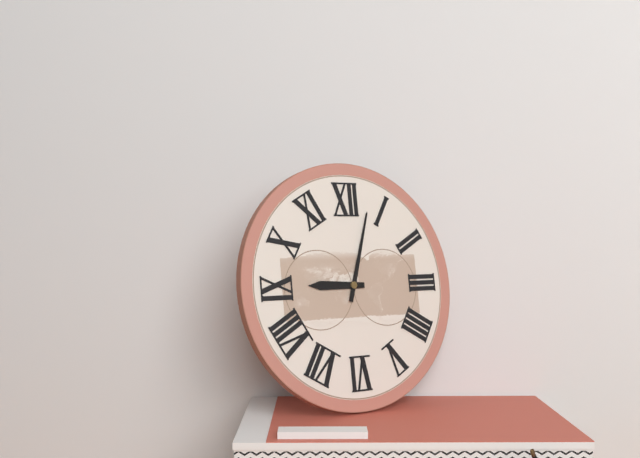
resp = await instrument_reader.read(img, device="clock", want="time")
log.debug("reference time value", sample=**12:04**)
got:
**9:03**
